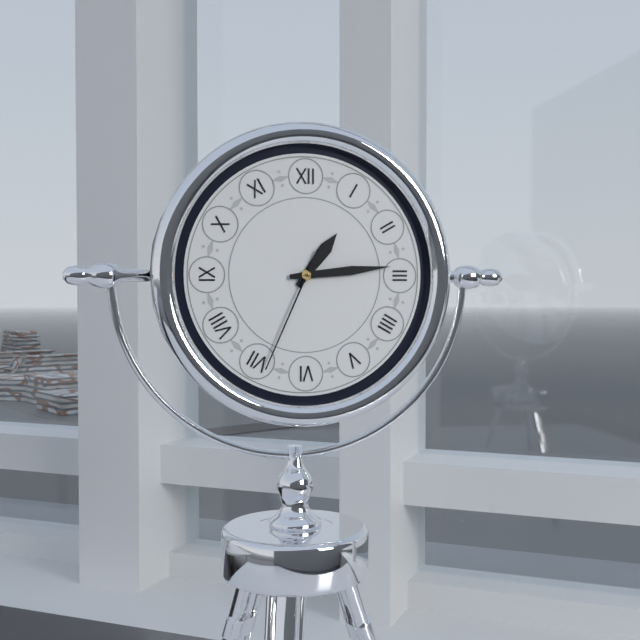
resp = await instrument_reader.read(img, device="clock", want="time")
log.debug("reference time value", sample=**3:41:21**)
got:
**1:14:34**
